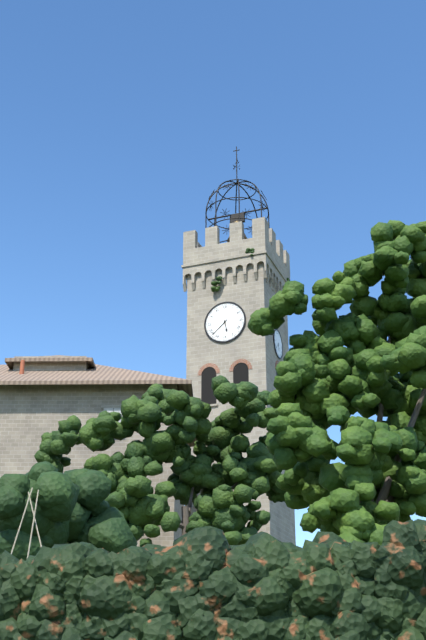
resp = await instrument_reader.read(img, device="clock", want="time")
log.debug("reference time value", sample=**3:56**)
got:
**5:38**
